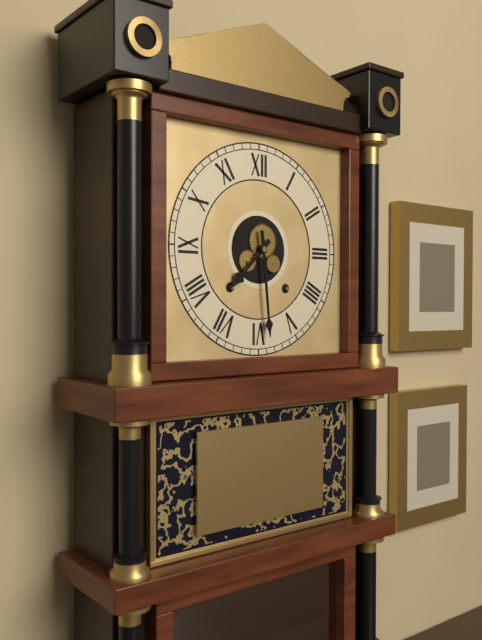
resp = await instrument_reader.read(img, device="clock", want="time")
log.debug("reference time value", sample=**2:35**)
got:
**7:29**
